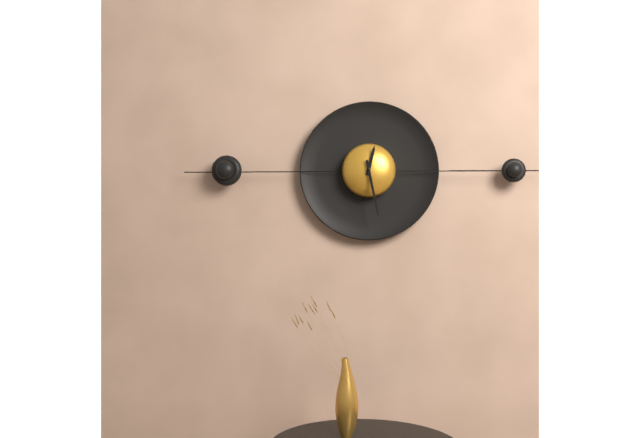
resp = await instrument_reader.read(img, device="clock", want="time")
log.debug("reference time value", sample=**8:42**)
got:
**12:28**
